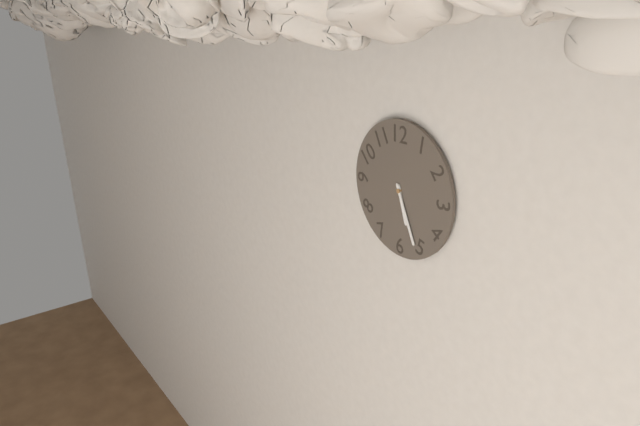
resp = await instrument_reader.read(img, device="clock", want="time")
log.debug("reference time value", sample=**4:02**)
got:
**5:26**
